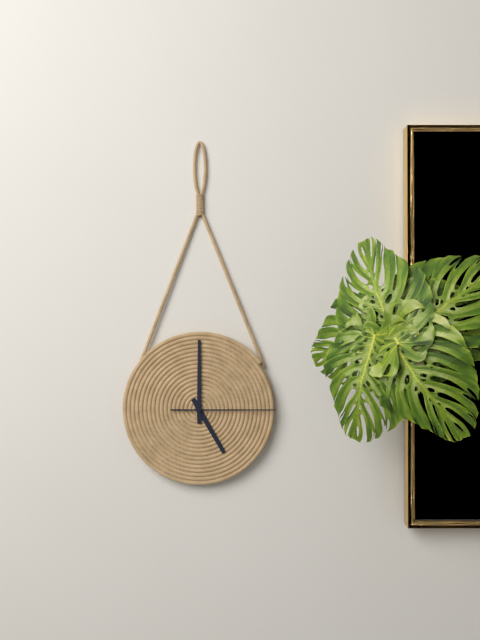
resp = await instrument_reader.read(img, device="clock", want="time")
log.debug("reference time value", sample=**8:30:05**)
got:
**5:00:15**
